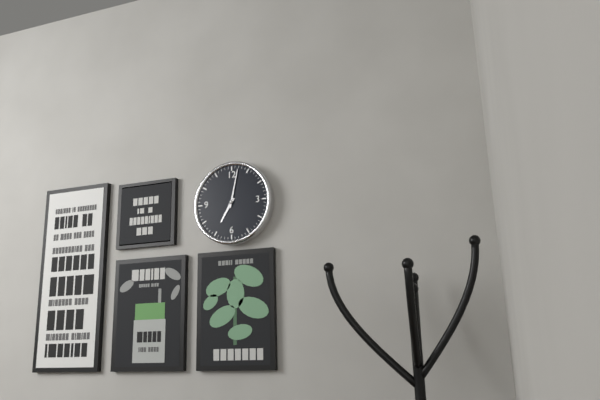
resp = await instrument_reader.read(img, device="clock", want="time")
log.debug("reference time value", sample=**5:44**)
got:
**7:02**
